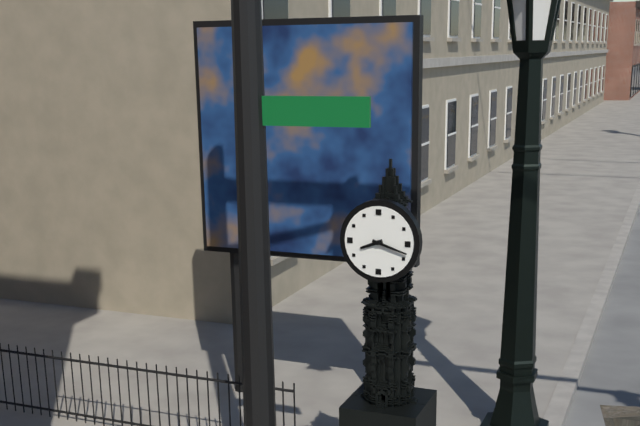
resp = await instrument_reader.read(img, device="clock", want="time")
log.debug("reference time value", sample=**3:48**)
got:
**8:18**
